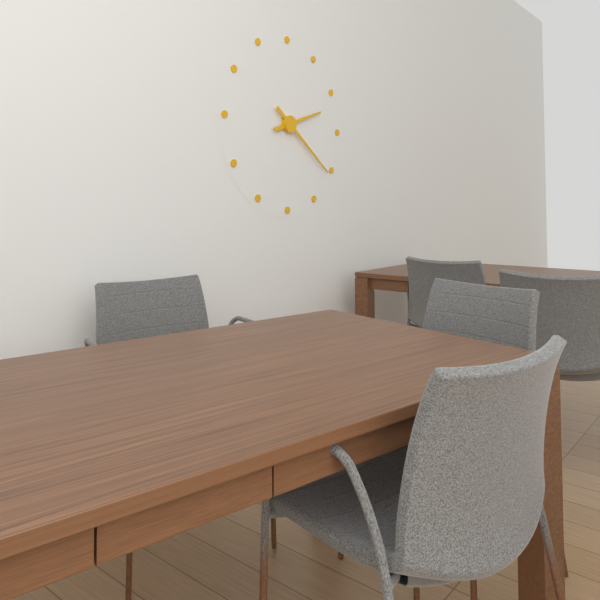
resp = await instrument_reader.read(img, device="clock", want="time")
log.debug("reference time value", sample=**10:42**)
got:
**2:21**
